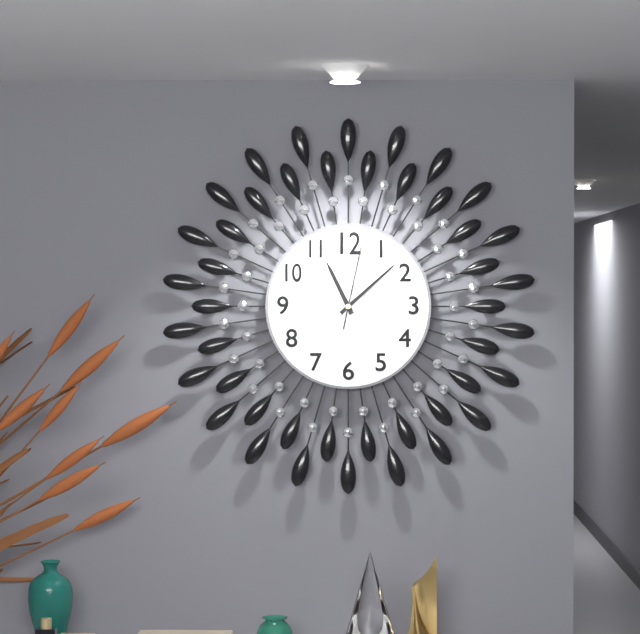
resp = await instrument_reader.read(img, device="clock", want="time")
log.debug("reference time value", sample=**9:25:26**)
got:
**11:08:02**
